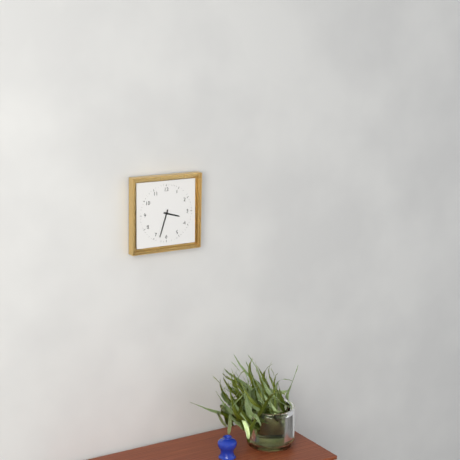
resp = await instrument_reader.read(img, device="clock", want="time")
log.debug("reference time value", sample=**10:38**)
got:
**3:33**
